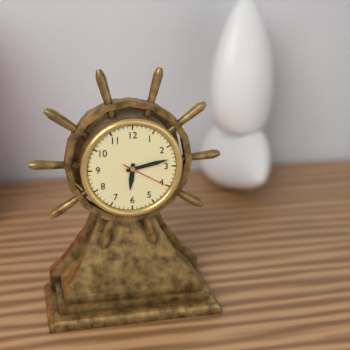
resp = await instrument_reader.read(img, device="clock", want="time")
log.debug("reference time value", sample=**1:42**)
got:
**6:13**
